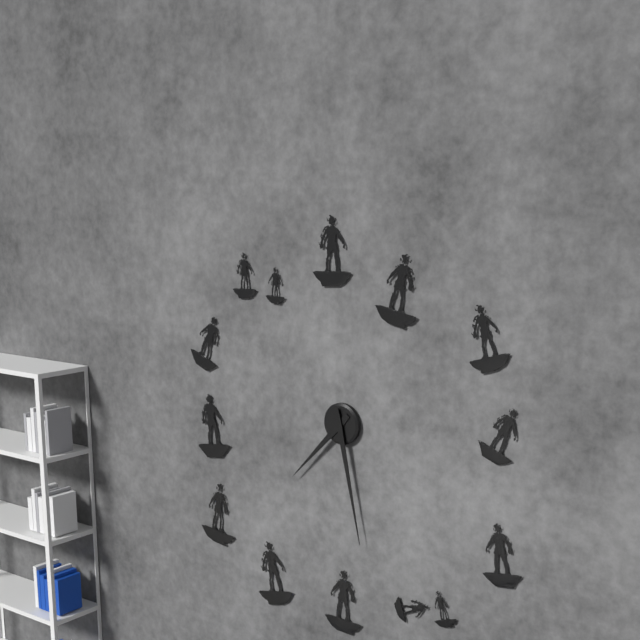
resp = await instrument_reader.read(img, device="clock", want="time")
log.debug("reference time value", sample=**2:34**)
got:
**7:28**
